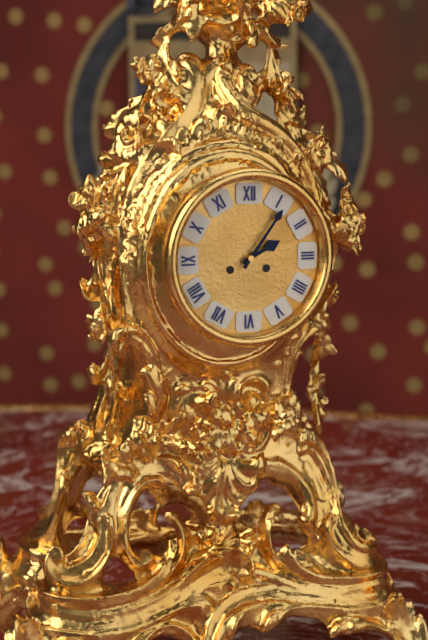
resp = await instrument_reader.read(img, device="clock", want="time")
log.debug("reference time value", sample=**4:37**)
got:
**2:06**
